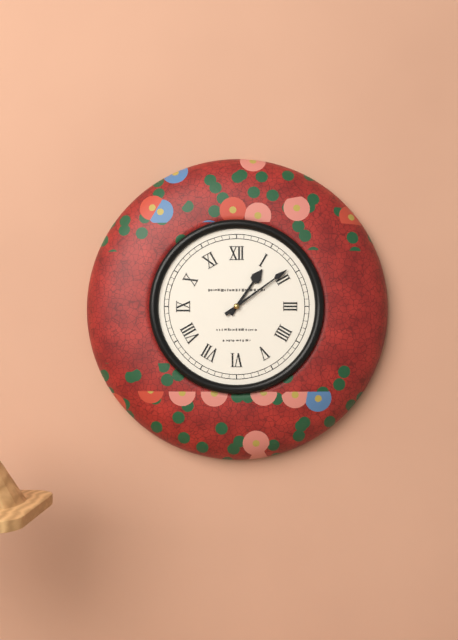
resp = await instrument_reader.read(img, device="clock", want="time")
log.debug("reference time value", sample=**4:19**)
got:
**1:09**
